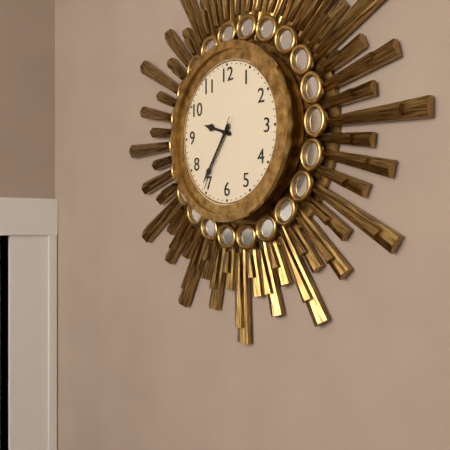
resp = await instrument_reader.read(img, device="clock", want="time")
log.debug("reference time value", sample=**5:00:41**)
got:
**9:36:35**
